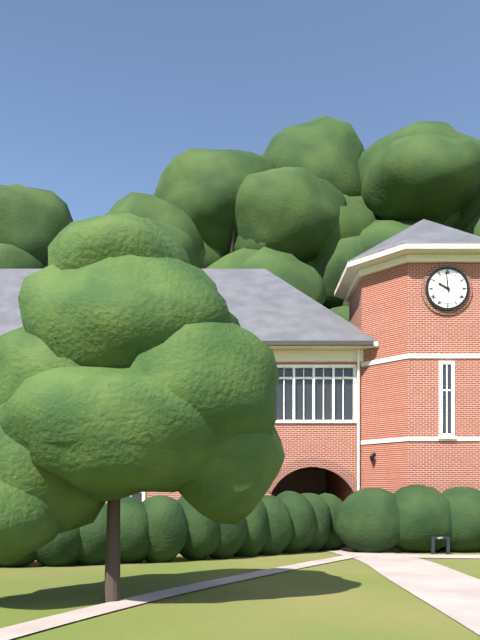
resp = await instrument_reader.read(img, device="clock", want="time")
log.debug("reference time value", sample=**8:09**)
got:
**9:59**
